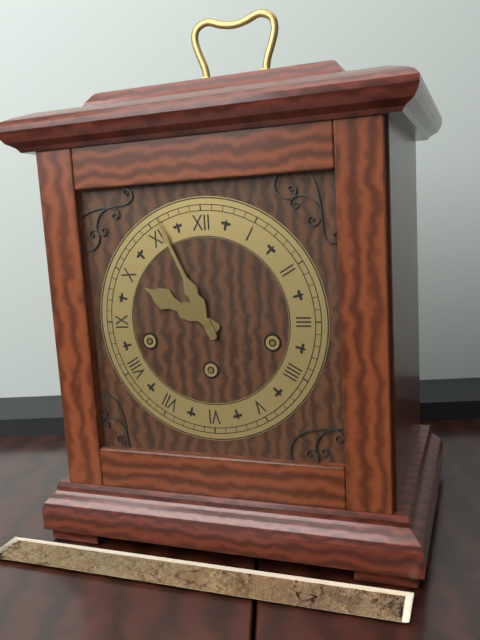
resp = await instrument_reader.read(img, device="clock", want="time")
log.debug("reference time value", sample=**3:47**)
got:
**9:56**
